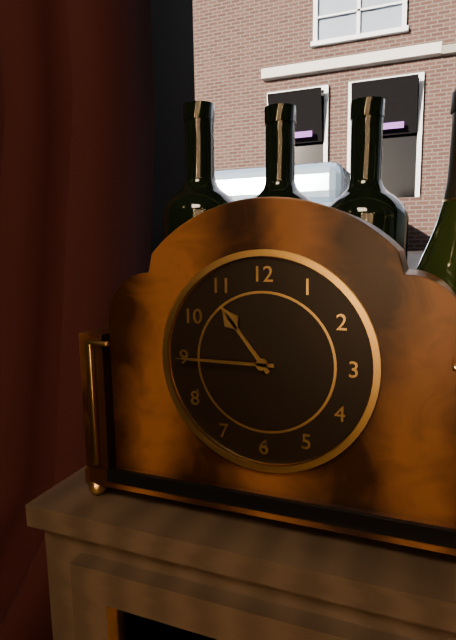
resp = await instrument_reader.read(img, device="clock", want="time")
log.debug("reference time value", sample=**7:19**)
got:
**10:45**
